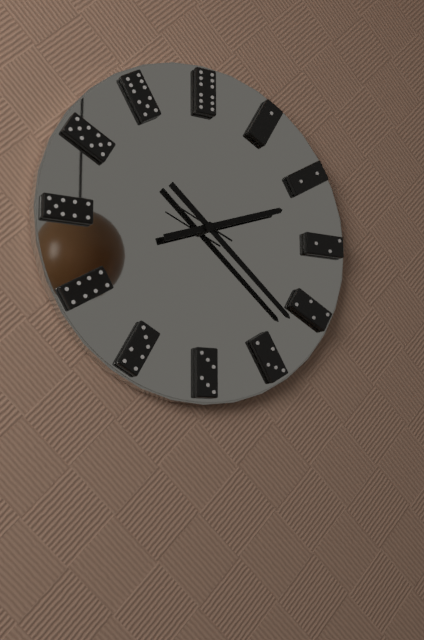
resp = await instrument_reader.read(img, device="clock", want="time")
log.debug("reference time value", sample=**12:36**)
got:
**2:22**
